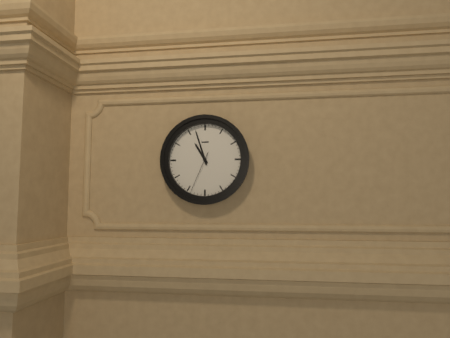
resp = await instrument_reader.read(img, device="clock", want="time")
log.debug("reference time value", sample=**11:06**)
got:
**10:57**
